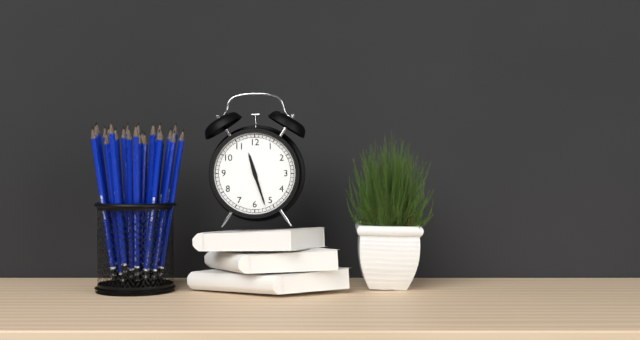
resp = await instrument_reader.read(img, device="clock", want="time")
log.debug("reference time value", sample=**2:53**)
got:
**11:27**
